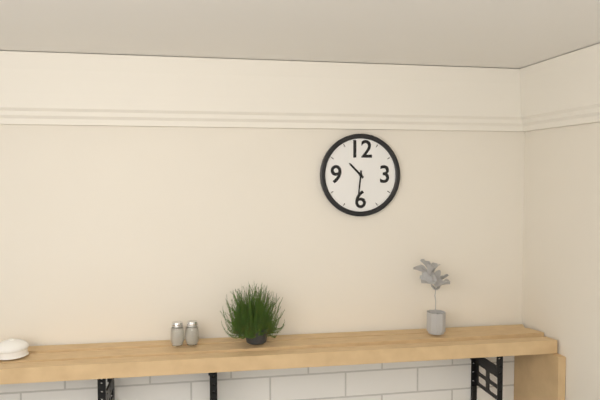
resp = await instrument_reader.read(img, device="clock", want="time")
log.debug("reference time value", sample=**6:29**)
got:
**10:31**
